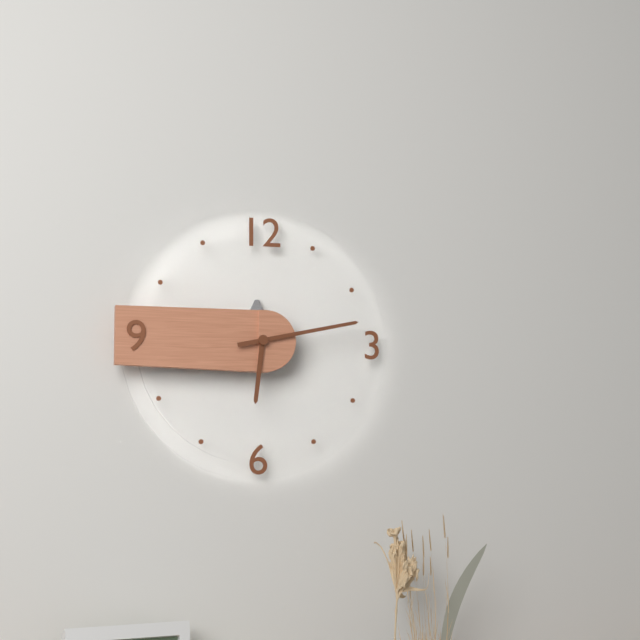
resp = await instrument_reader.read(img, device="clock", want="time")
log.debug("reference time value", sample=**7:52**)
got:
**6:13**
